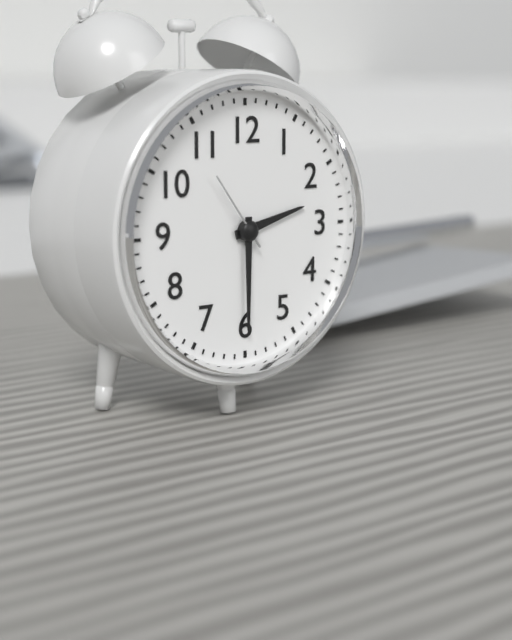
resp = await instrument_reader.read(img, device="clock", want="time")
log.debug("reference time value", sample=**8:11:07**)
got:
**2:30:54**
